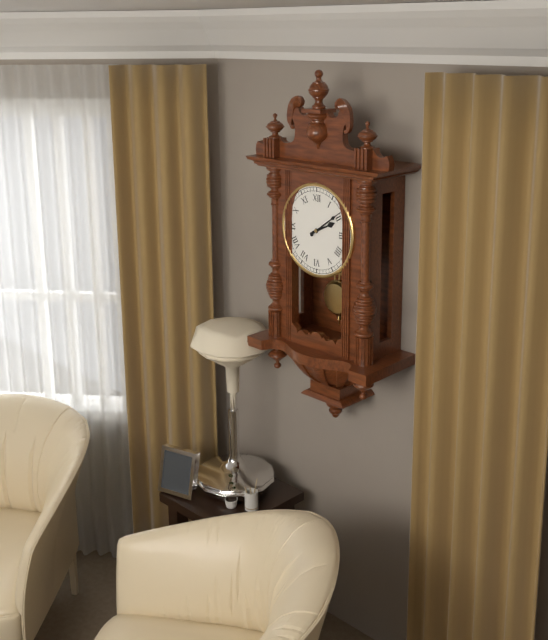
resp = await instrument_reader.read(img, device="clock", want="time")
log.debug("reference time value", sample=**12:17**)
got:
**2:09**
